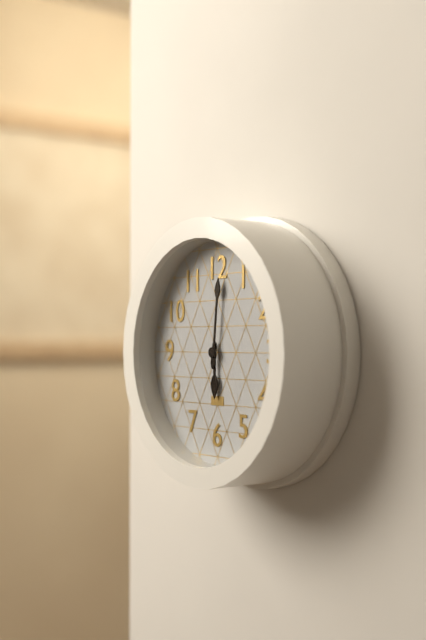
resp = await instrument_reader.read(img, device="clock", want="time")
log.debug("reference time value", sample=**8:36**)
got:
**6:01**
